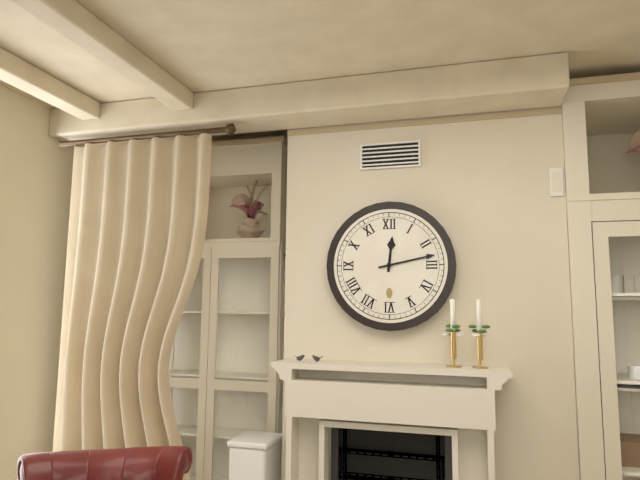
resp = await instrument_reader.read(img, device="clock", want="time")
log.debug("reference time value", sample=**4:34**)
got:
**12:13**
